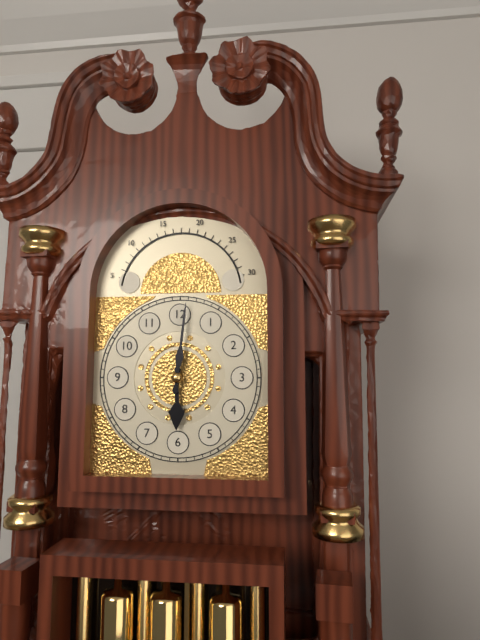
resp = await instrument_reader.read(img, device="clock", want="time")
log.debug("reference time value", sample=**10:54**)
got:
**6:01**
